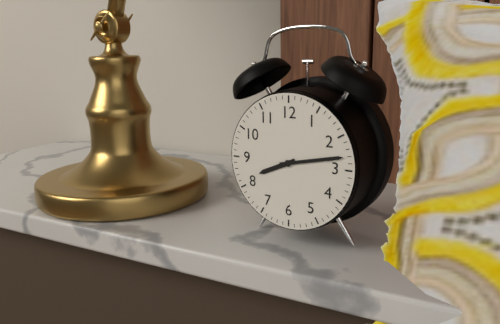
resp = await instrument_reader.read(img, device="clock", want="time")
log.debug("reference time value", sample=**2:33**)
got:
**8:13**
